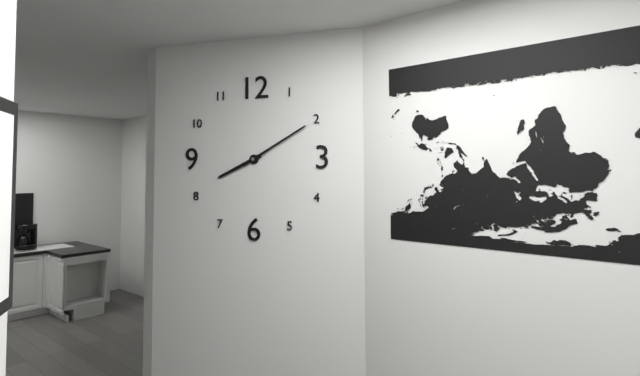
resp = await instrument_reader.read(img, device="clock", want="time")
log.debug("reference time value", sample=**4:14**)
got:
**8:10**
